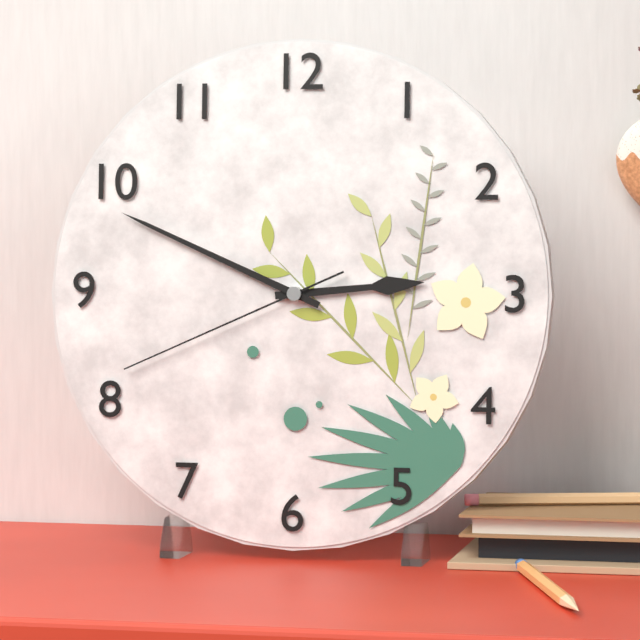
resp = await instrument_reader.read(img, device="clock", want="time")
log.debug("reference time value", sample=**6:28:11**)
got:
**2:49:41**
